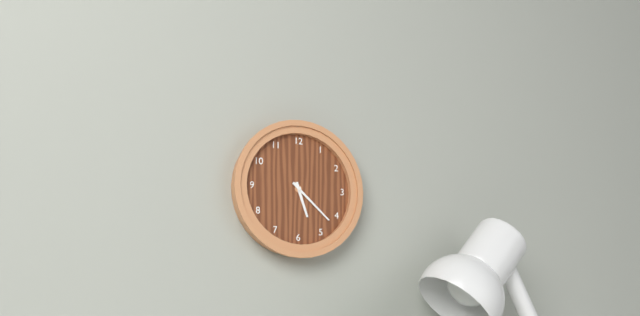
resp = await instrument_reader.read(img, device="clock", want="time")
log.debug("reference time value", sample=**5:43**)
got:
**5:22**
